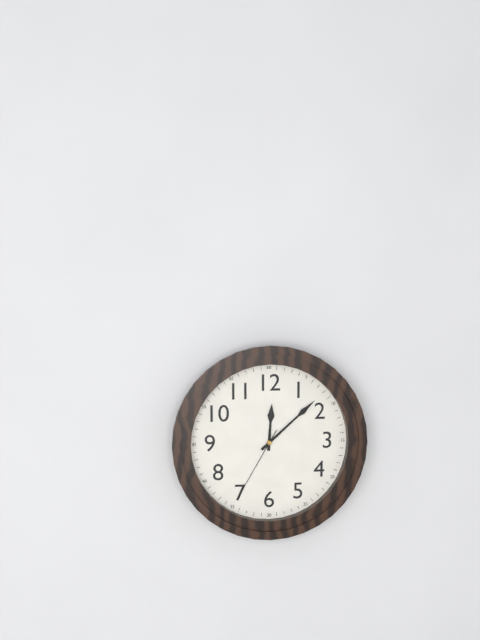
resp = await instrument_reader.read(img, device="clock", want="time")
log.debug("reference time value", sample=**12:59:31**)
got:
**12:08:35**
